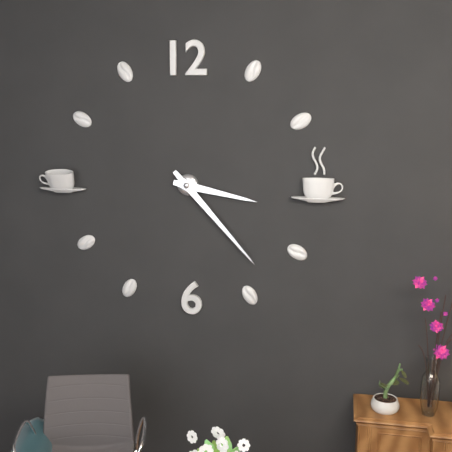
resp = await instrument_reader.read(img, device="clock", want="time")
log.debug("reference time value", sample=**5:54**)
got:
**3:23**
